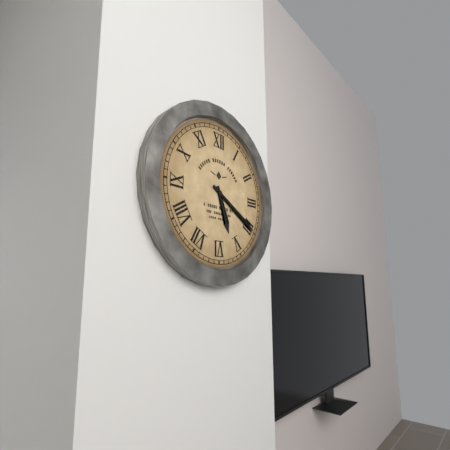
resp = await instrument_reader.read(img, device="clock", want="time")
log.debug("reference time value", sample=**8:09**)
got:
**5:20**
